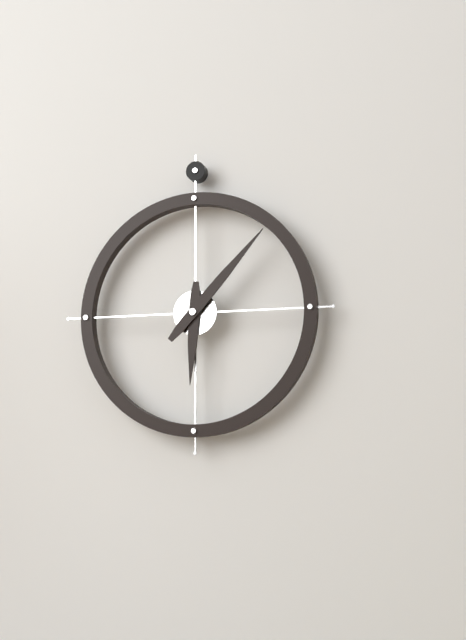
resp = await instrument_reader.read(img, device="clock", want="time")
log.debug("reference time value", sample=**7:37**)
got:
**6:07**
